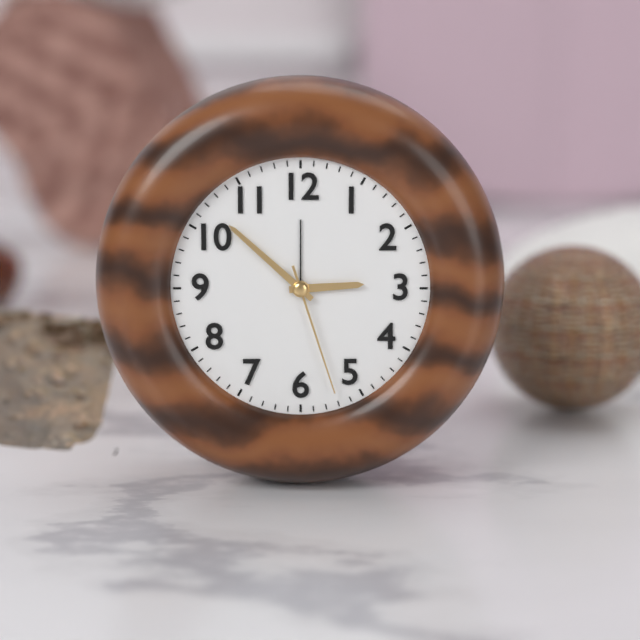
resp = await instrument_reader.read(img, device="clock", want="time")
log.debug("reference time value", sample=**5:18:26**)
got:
**2:52:27**
